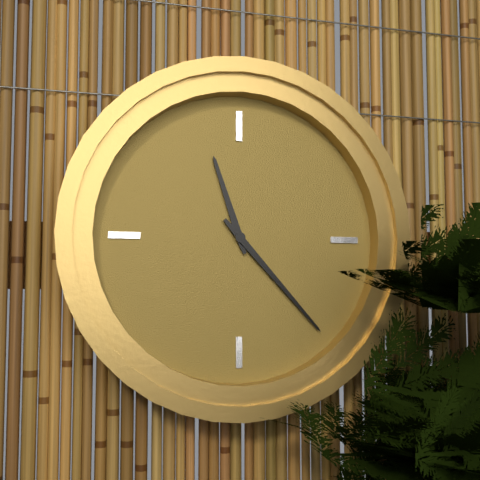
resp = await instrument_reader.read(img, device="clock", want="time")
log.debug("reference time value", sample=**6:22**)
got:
**11:23**
